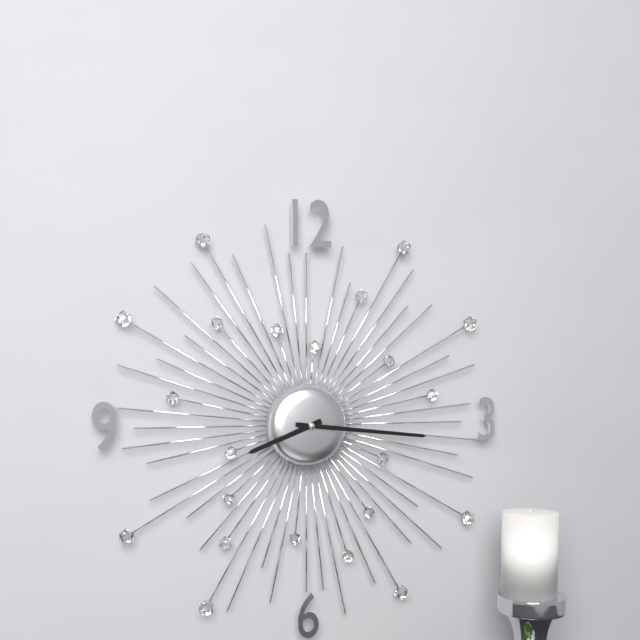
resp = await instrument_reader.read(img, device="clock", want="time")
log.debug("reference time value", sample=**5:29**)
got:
**8:16**
